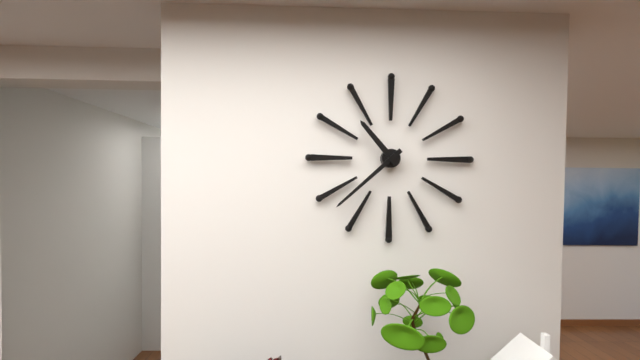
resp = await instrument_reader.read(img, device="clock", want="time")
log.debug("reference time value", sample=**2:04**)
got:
**10:38**
